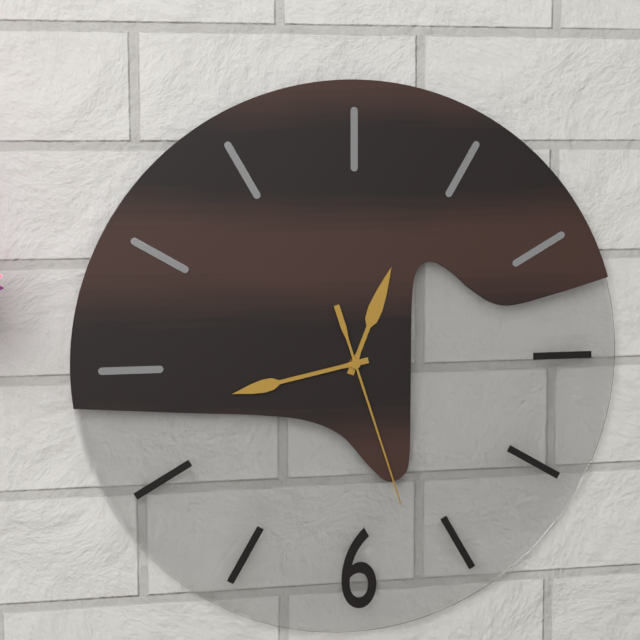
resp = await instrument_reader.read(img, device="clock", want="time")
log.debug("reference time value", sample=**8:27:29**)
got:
**12:43:27**
